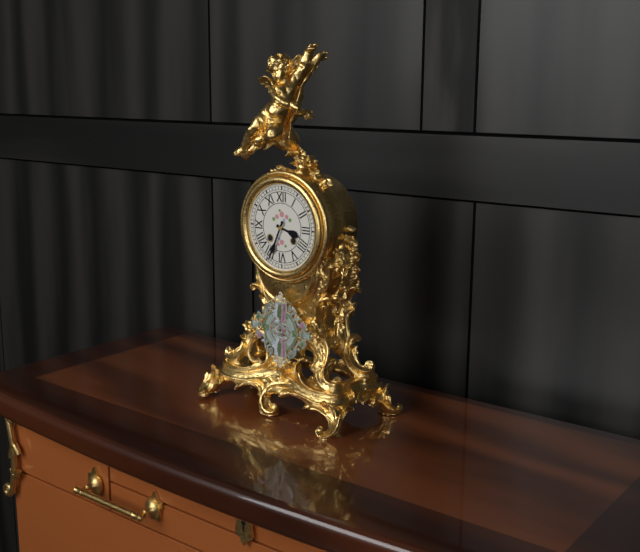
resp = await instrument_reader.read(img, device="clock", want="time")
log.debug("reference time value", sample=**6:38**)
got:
**3:34**
